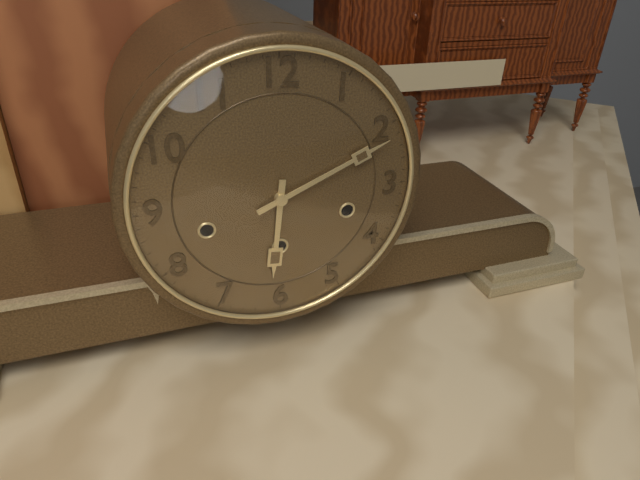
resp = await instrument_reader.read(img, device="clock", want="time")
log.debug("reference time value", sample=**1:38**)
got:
**6:11**
